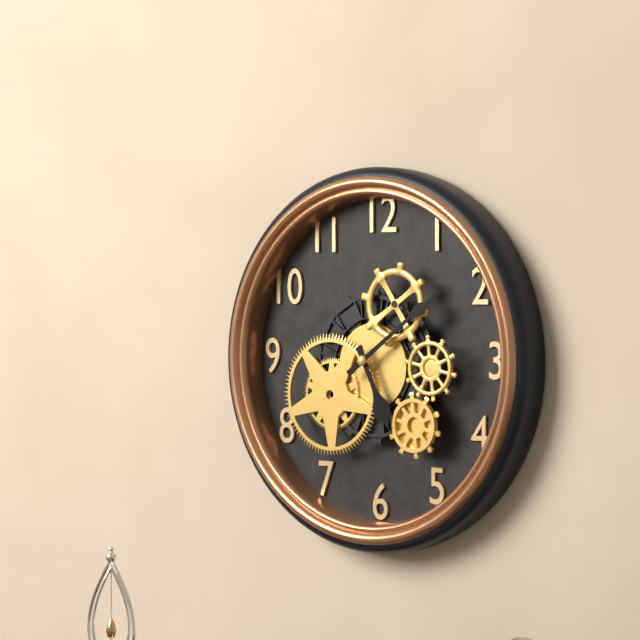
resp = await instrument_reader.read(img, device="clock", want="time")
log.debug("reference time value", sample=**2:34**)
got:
**5:09**
